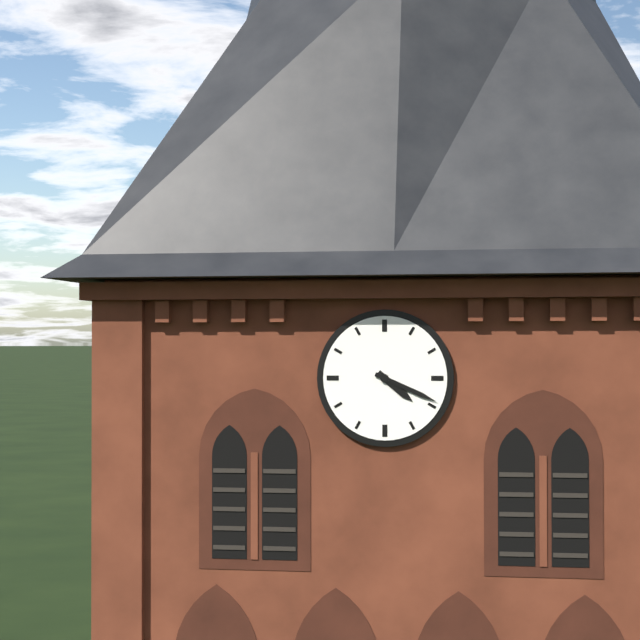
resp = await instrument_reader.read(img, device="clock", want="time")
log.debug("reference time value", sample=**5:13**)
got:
**4:19**
